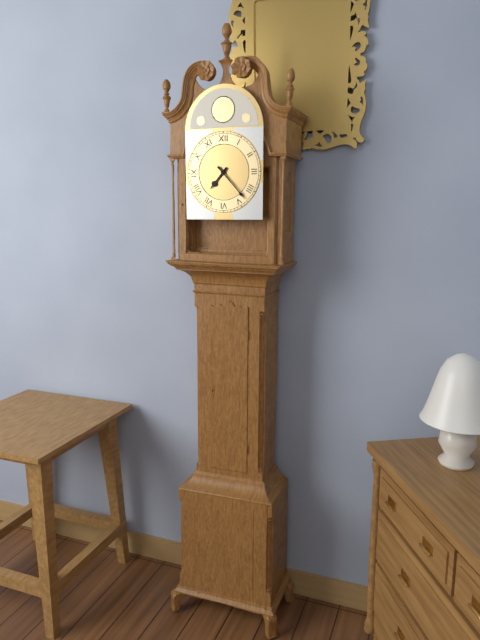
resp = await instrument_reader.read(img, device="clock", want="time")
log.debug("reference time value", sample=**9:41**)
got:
**7:23**
